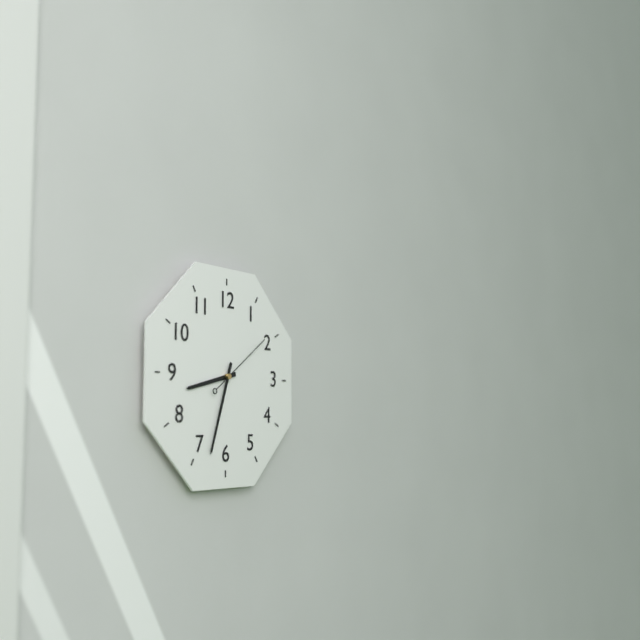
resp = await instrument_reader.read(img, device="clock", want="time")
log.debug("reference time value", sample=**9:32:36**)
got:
**8:33:09**
